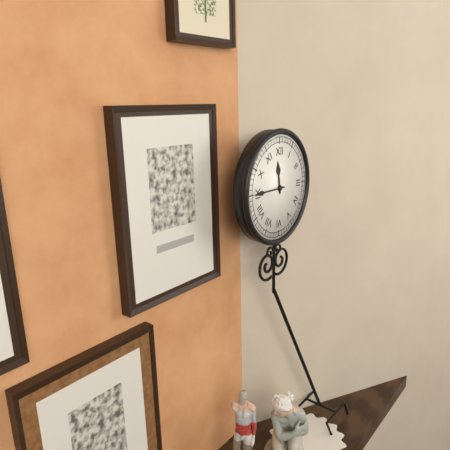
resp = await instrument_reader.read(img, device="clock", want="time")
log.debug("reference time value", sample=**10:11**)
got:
**11:45**
